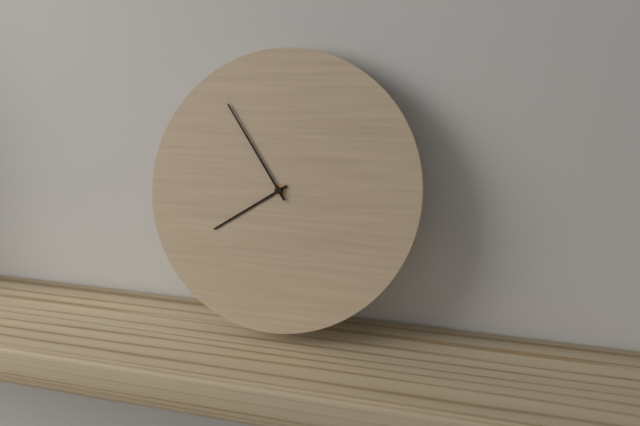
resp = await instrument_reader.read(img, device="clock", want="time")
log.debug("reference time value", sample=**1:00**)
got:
**7:54**
